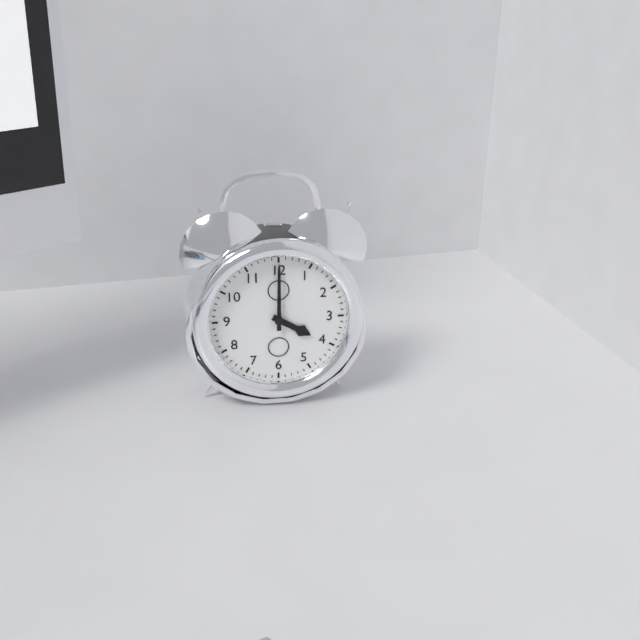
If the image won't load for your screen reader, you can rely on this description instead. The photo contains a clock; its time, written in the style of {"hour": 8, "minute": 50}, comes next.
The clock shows {"hour": 4, "minute": 0}
